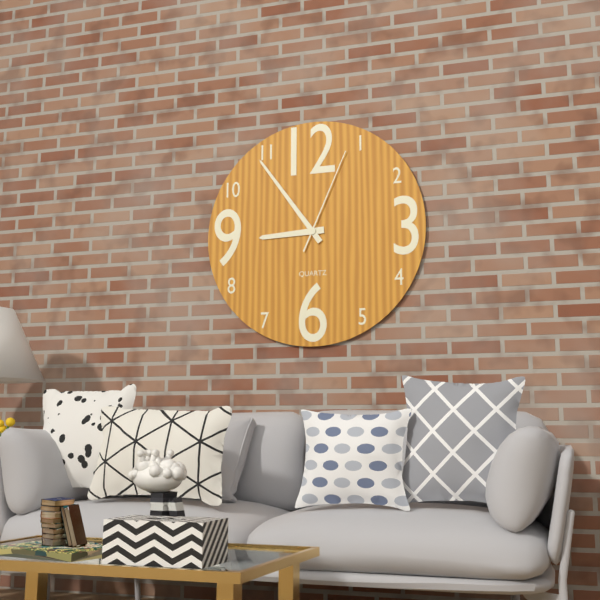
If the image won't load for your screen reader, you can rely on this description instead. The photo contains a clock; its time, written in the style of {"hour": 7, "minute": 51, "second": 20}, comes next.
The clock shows {"hour": 8, "minute": 54, "second": 4}
